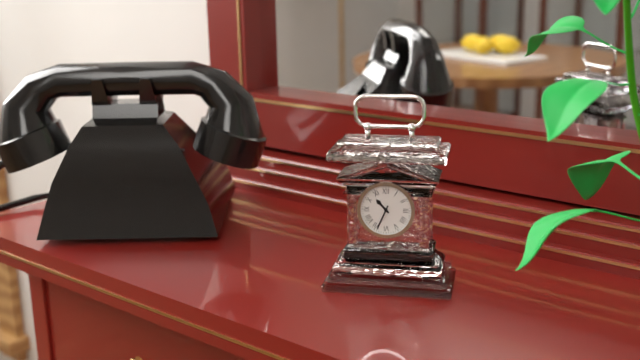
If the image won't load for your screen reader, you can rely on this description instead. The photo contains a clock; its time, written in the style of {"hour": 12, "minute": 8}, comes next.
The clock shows {"hour": 10, "minute": 34}
